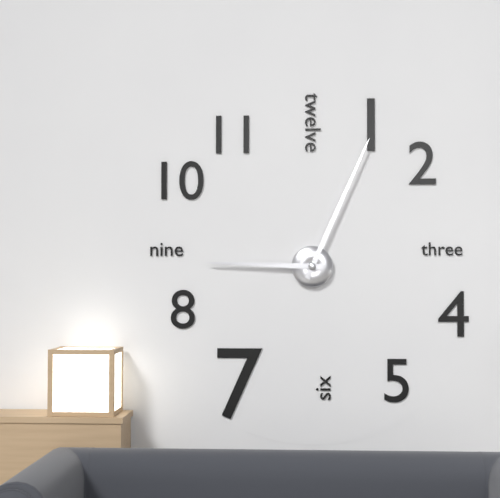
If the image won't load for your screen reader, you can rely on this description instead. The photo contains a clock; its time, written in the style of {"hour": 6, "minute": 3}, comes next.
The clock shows {"hour": 9, "minute": 4}
